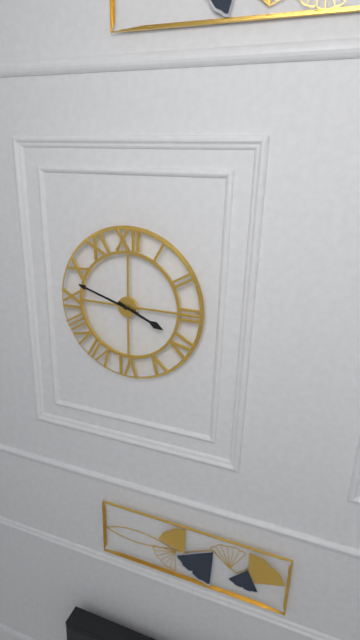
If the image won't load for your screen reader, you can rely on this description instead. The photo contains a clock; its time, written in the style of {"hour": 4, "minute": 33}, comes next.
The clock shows {"hour": 3, "minute": 48}
